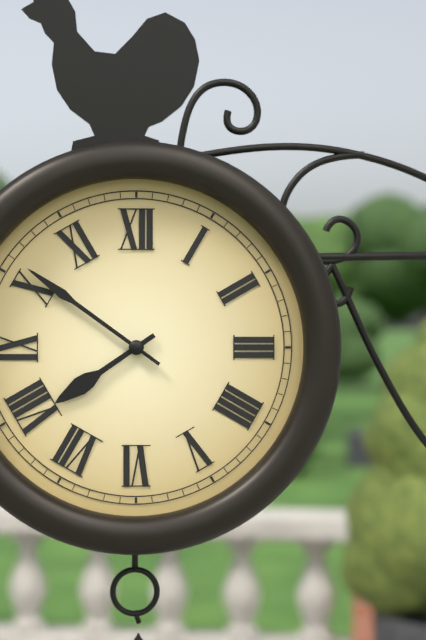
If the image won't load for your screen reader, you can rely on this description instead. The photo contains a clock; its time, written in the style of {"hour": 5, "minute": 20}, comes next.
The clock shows {"hour": 7, "minute": 51}
